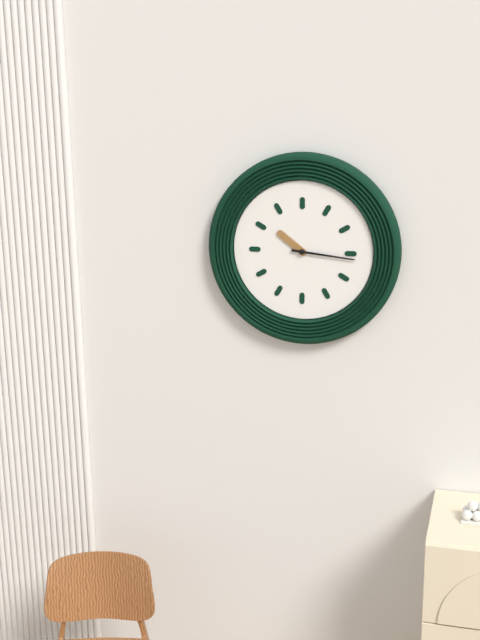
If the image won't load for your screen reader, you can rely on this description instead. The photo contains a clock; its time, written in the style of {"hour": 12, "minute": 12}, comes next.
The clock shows {"hour": 10, "minute": 16}
